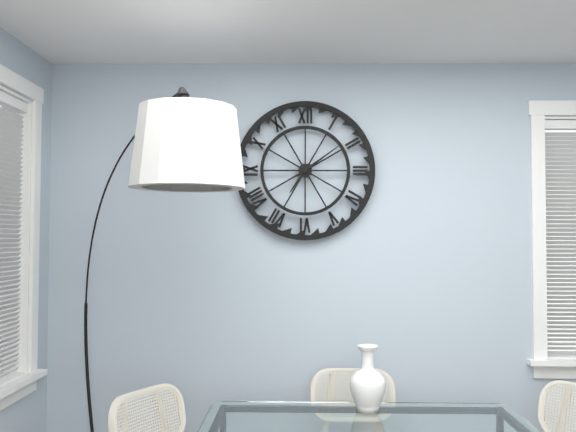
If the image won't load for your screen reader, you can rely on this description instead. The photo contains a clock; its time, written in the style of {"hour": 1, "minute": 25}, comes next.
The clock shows {"hour": 7, "minute": 9}
